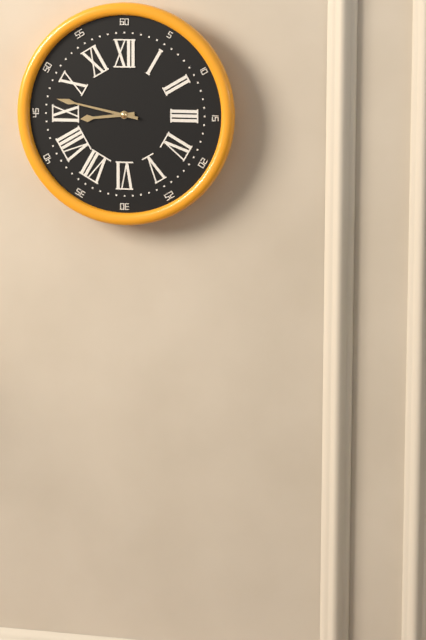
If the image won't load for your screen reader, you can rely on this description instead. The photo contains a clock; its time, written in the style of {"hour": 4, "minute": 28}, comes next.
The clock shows {"hour": 8, "minute": 47}
